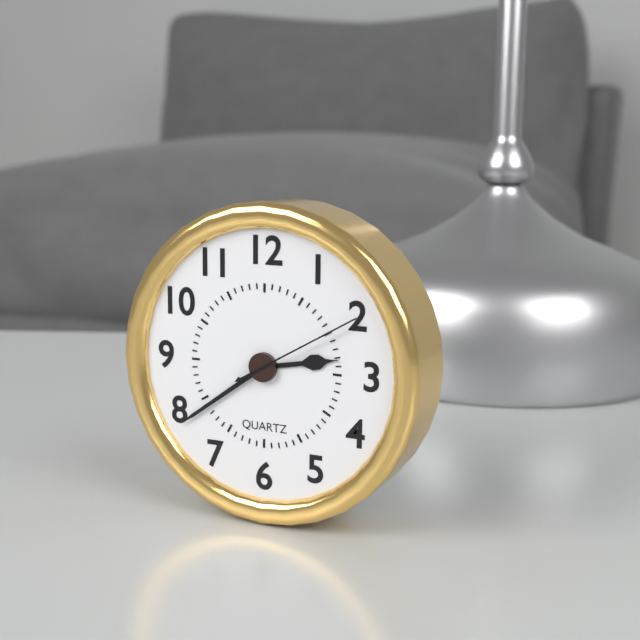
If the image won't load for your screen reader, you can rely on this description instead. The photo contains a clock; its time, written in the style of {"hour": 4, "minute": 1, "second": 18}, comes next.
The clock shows {"hour": 2, "minute": 39, "second": 10}
